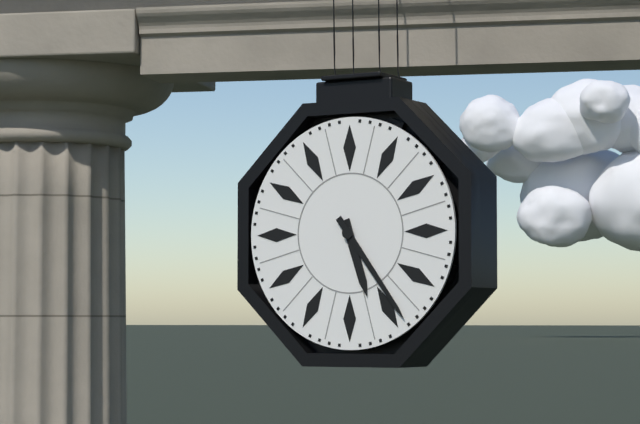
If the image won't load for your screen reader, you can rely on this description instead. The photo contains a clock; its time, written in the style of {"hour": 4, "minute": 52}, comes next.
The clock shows {"hour": 5, "minute": 24}
